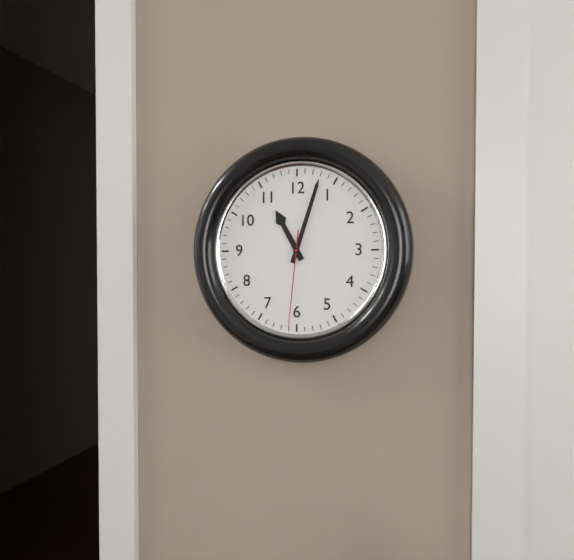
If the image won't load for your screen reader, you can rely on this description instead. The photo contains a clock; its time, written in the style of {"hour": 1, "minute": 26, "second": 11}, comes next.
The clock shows {"hour": 11, "minute": 3, "second": 31}
